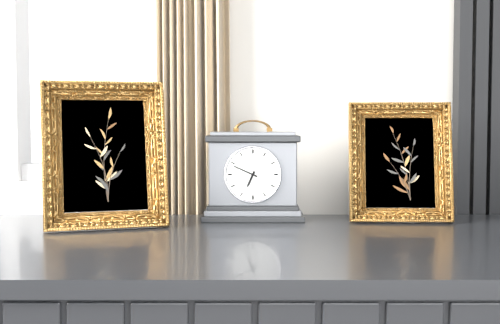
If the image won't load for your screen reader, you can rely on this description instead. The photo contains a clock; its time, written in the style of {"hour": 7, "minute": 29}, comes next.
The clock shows {"hour": 6, "minute": 49}
